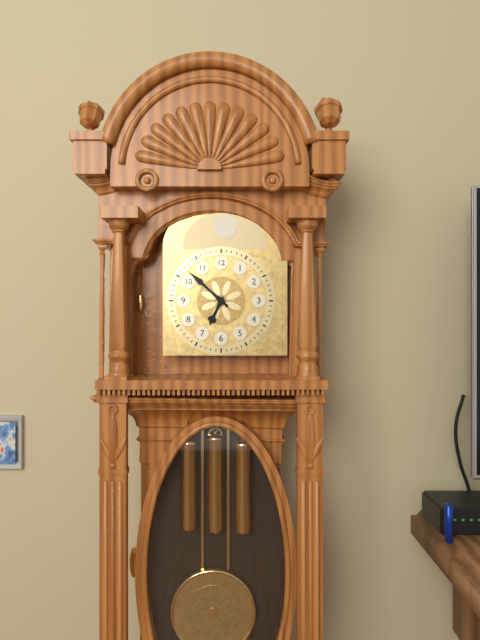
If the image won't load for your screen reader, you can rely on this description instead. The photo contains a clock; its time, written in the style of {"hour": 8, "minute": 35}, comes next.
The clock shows {"hour": 6, "minute": 52}
